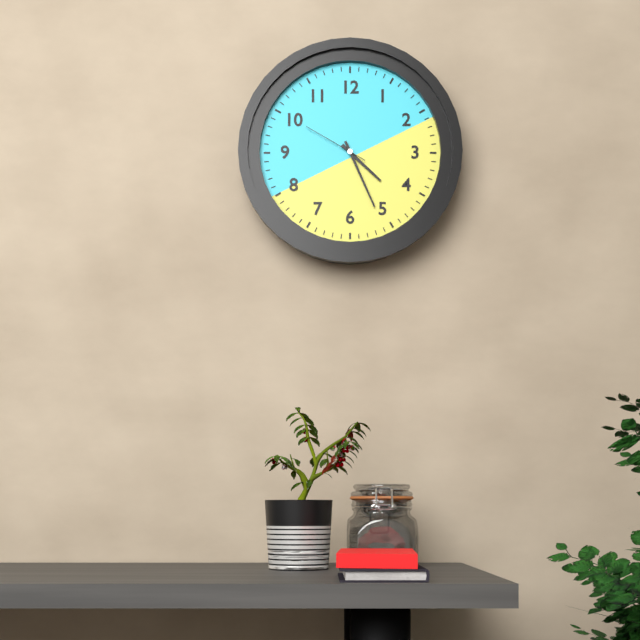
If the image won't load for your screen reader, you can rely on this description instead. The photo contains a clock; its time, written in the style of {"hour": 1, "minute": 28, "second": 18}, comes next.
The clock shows {"hour": 4, "minute": 26, "second": 50}
